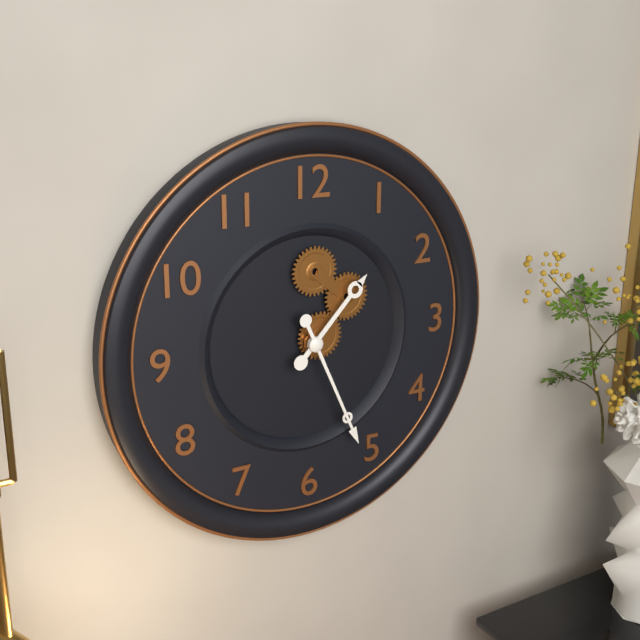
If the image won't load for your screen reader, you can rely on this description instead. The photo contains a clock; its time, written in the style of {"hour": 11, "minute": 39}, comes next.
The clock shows {"hour": 1, "minute": 26}
